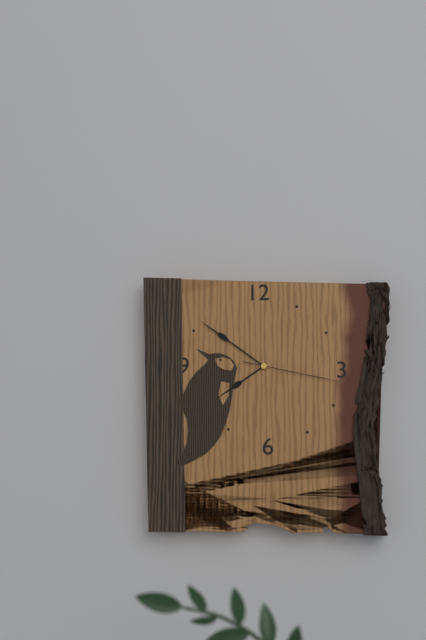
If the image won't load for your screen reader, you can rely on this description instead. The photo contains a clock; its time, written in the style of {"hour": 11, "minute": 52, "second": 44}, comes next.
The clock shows {"hour": 7, "minute": 51, "second": 17}
